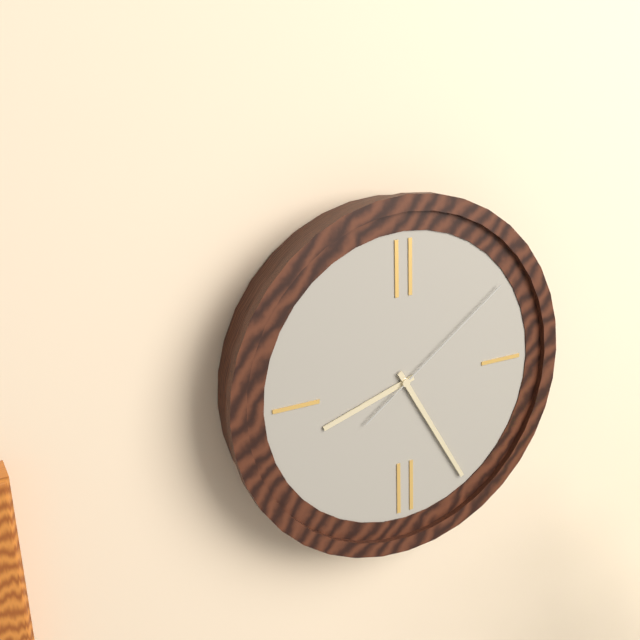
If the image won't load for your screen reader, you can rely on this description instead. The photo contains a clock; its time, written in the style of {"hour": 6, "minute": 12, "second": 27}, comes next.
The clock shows {"hour": 8, "minute": 25, "second": 9}
